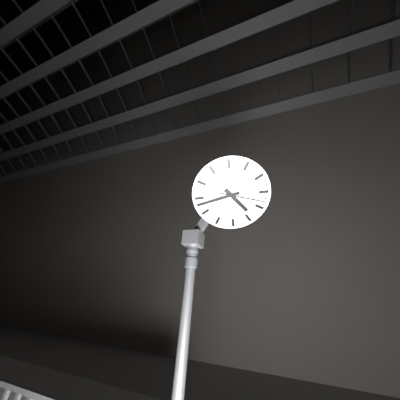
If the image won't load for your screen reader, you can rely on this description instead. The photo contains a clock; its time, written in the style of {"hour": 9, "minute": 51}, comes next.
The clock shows {"hour": 4, "minute": 43}
